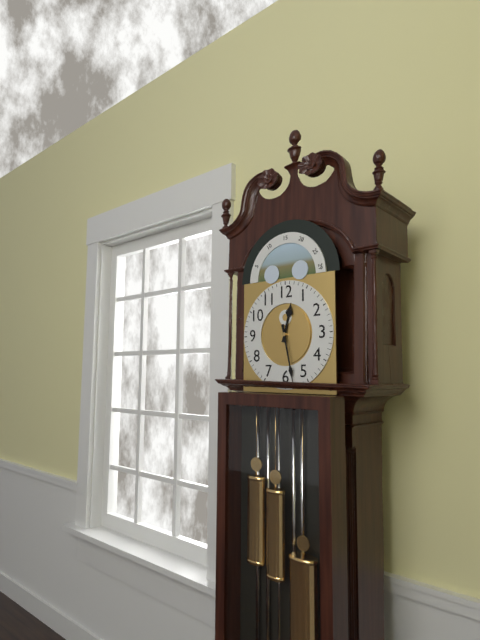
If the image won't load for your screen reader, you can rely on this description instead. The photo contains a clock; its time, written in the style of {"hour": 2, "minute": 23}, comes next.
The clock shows {"hour": 12, "minute": 28}
